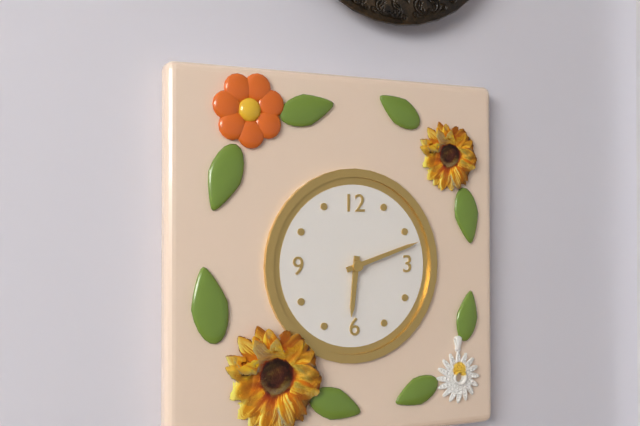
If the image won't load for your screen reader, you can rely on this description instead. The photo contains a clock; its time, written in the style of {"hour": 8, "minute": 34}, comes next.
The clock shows {"hour": 6, "minute": 12}
